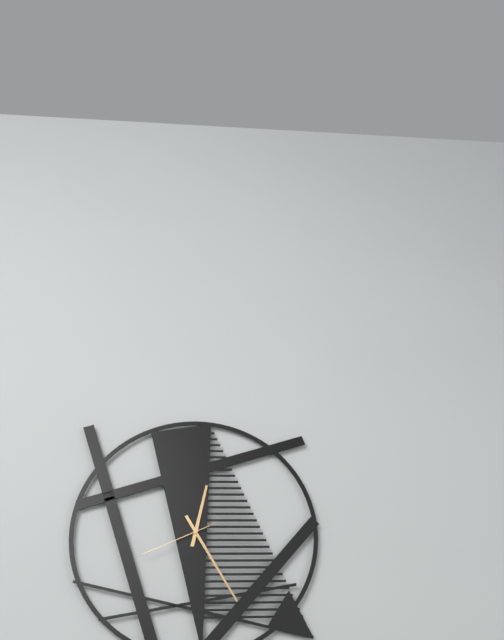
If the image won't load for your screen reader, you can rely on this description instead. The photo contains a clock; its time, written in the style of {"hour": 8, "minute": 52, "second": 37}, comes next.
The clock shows {"hour": 12, "minute": 25, "second": 41}
